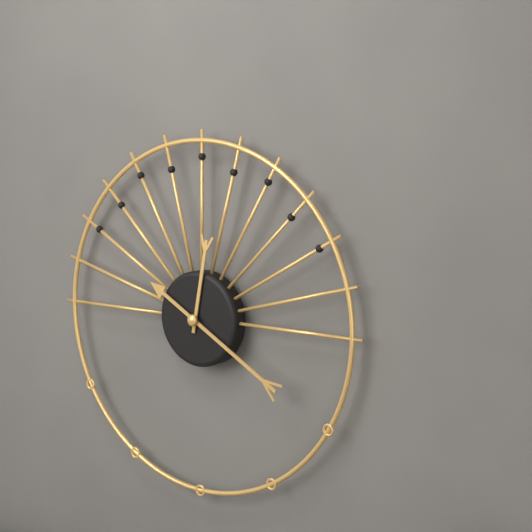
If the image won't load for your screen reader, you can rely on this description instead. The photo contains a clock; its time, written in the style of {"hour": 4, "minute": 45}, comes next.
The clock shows {"hour": 12, "minute": 20}
